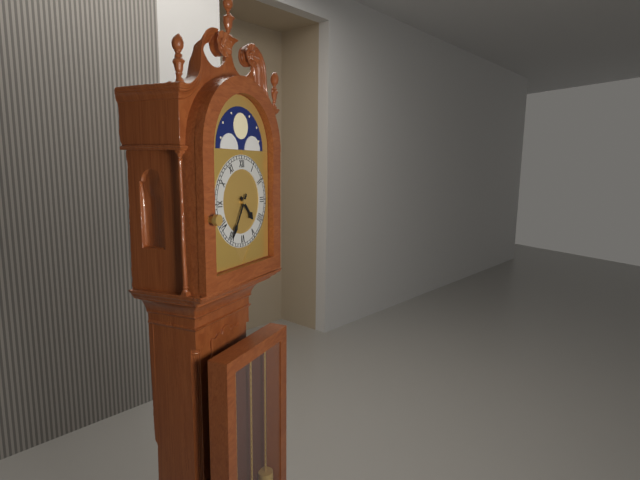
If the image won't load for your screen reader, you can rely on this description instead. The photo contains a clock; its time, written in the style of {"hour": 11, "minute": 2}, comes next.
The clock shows {"hour": 4, "minute": 35}
